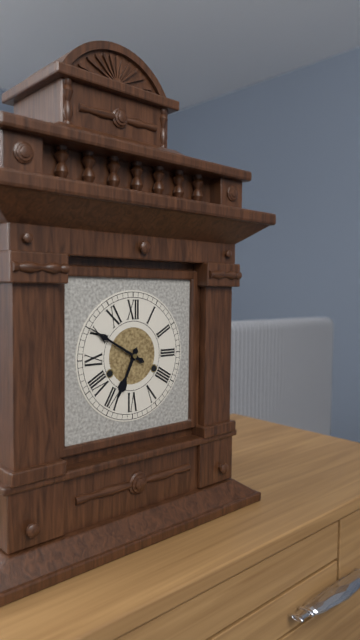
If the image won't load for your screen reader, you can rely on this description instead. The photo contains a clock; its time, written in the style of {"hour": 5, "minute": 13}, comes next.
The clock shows {"hour": 6, "minute": 50}
